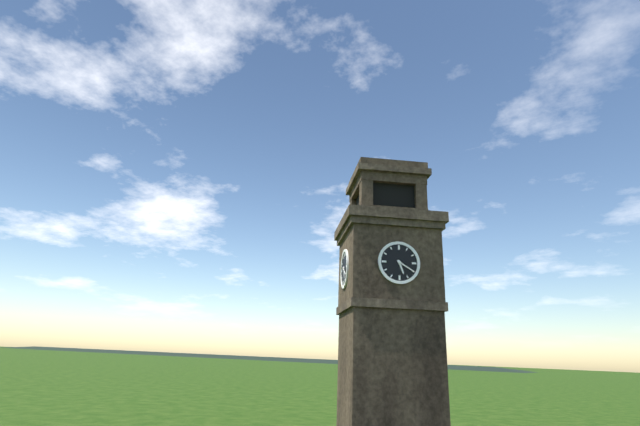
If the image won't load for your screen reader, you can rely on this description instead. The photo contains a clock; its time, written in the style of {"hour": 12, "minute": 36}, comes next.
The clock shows {"hour": 5, "minute": 20}
